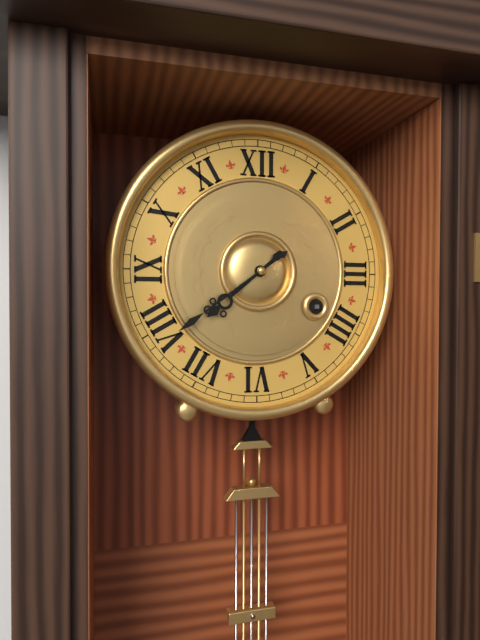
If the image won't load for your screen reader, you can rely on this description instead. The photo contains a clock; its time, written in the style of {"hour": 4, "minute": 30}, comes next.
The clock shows {"hour": 7, "minute": 39}
